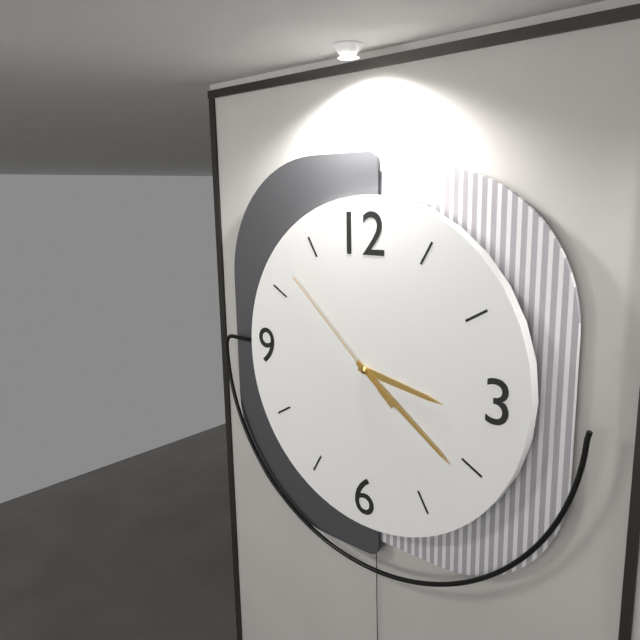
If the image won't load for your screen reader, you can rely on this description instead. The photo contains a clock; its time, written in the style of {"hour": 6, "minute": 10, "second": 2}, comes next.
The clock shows {"hour": 3, "minute": 21, "second": 52}
